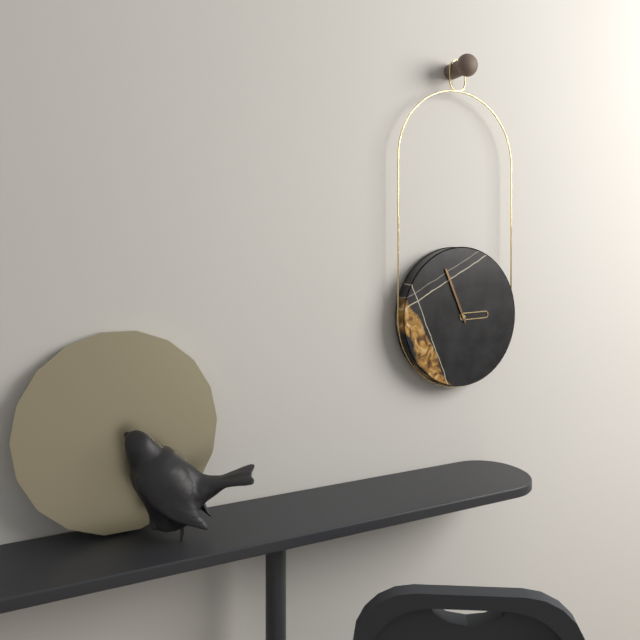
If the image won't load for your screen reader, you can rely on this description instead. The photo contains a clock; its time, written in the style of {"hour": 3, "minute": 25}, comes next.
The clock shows {"hour": 2, "minute": 56}
